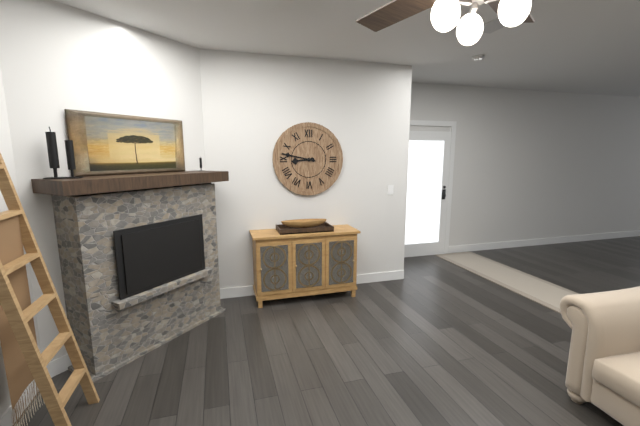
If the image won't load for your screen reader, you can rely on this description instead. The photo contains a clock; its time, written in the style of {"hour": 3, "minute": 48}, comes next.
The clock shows {"hour": 8, "minute": 47}
